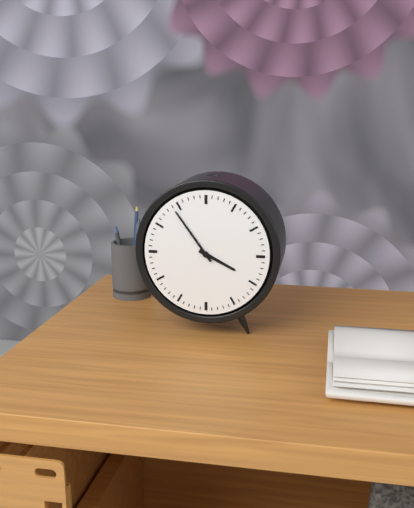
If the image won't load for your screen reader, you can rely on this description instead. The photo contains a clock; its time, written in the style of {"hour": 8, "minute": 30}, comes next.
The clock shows {"hour": 3, "minute": 54}
